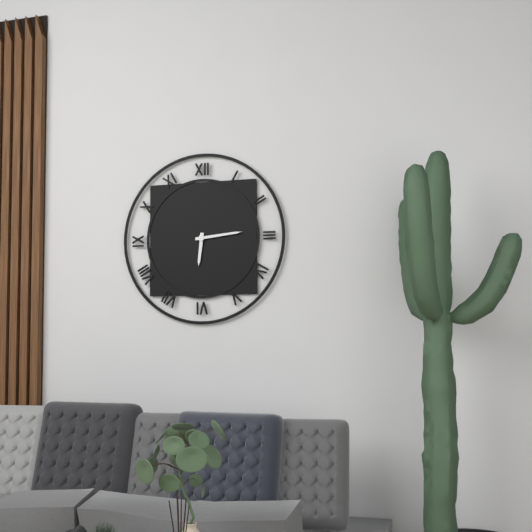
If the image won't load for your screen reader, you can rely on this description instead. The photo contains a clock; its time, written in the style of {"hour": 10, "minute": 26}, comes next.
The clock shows {"hour": 6, "minute": 14}
